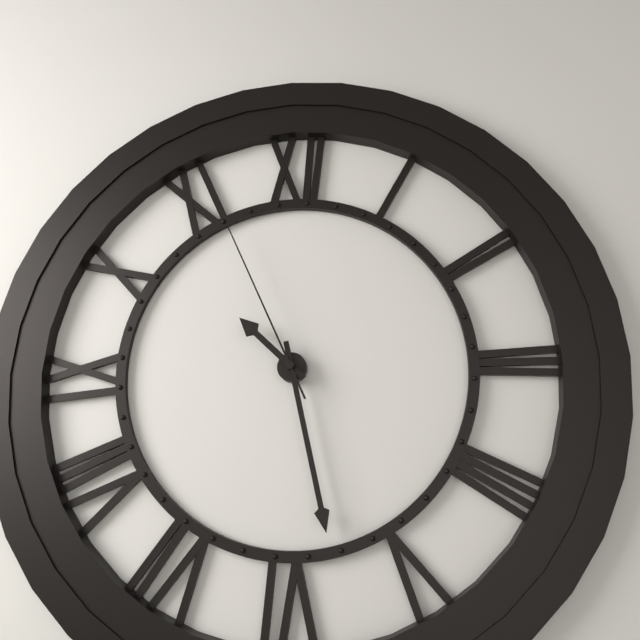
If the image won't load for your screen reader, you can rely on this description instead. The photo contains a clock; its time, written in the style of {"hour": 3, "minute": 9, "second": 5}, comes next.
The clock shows {"hour": 10, "minute": 28, "second": 56}
